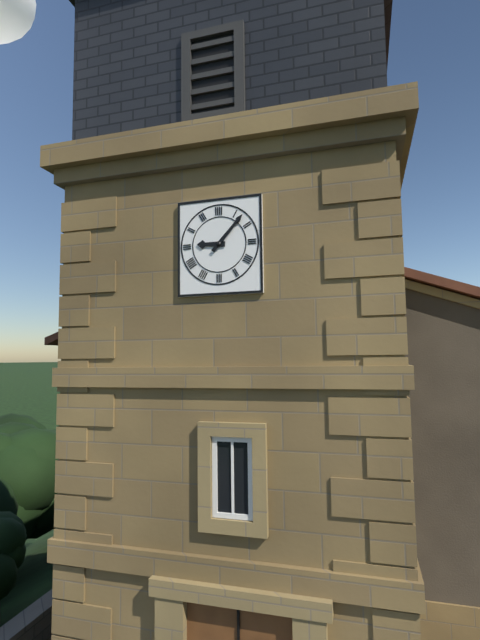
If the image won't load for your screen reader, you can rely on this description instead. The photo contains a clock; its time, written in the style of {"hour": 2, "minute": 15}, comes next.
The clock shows {"hour": 9, "minute": 7}
